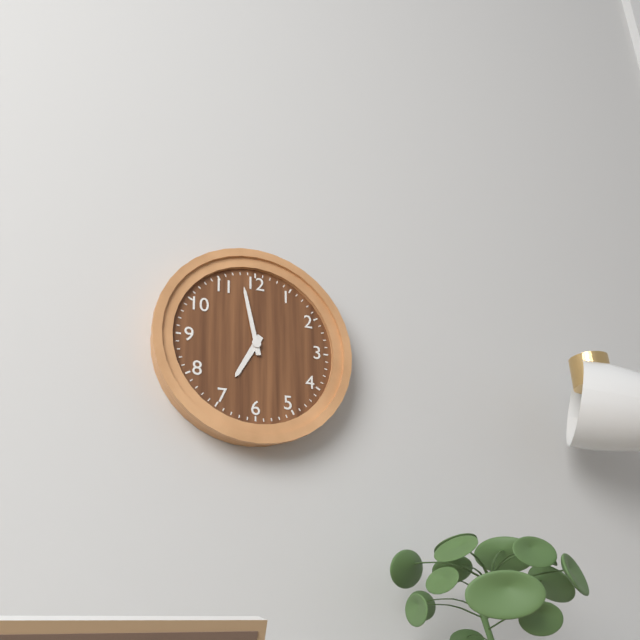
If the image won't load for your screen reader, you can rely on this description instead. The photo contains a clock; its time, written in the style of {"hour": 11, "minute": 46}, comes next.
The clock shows {"hour": 6, "minute": 58}
